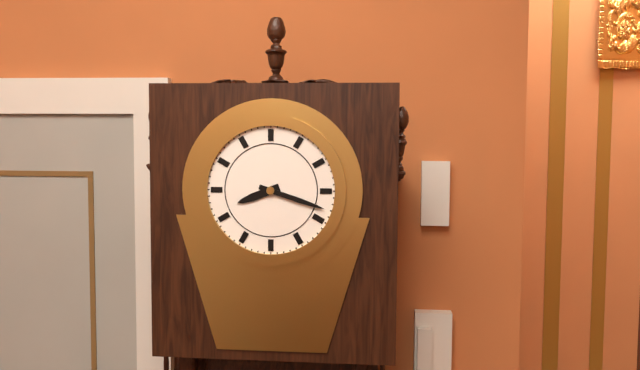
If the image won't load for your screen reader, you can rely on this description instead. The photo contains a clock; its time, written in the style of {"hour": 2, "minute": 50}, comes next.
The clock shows {"hour": 8, "minute": 18}
